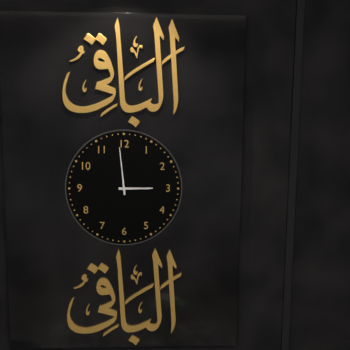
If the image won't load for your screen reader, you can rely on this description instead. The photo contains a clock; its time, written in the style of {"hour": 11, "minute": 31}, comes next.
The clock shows {"hour": 2, "minute": 59}
